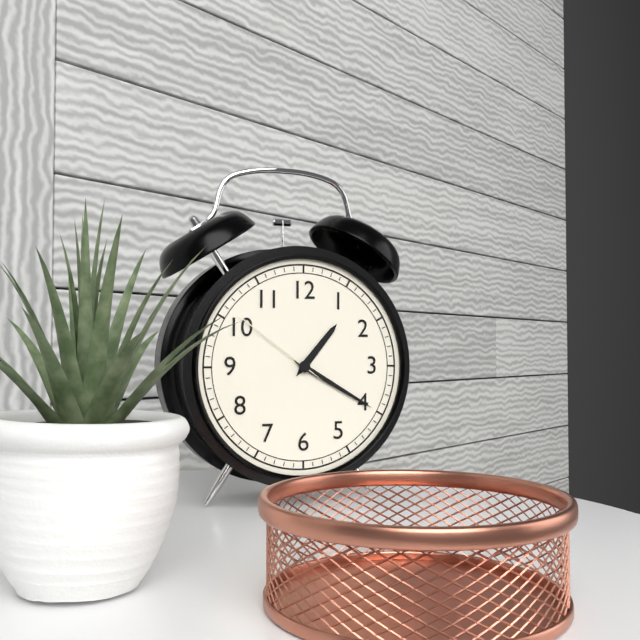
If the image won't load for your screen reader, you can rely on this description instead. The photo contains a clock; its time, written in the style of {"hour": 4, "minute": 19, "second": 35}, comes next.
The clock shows {"hour": 1, "minute": 20, "second": 51}
